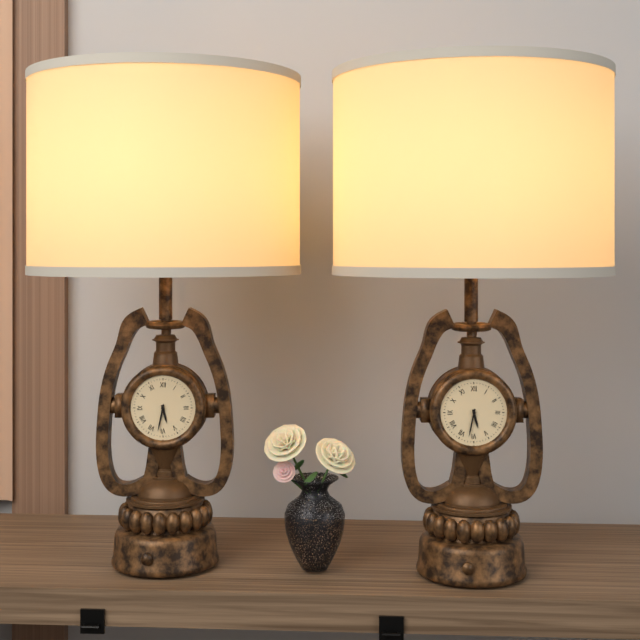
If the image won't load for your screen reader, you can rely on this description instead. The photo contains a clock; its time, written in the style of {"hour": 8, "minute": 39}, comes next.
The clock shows {"hour": 5, "minute": 32}
